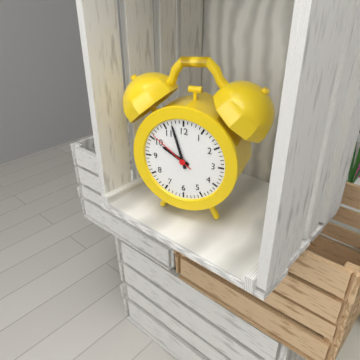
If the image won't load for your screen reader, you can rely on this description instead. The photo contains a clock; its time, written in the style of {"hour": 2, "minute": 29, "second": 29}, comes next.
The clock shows {"hour": 9, "minute": 57, "second": 51}
